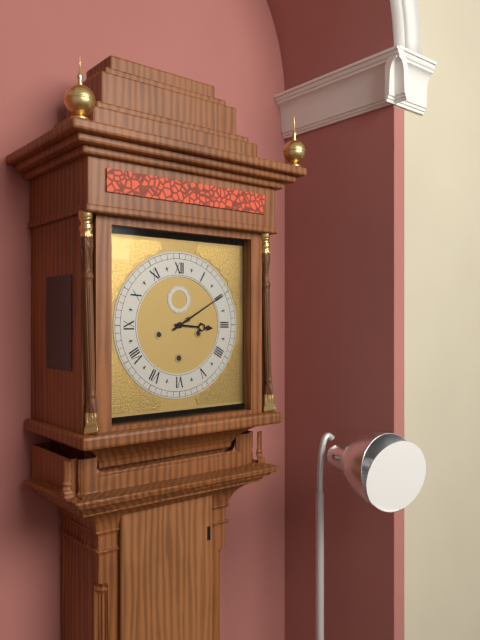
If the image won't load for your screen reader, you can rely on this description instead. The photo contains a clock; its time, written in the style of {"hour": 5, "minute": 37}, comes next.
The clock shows {"hour": 3, "minute": 10}
